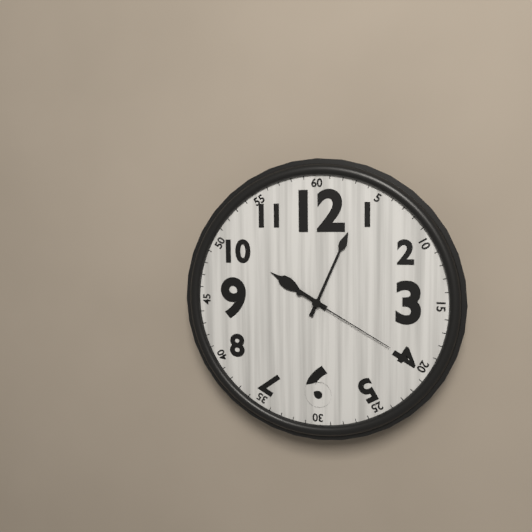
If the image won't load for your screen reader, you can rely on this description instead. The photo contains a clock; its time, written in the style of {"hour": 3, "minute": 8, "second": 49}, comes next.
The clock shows {"hour": 10, "minute": 4, "second": 20}
